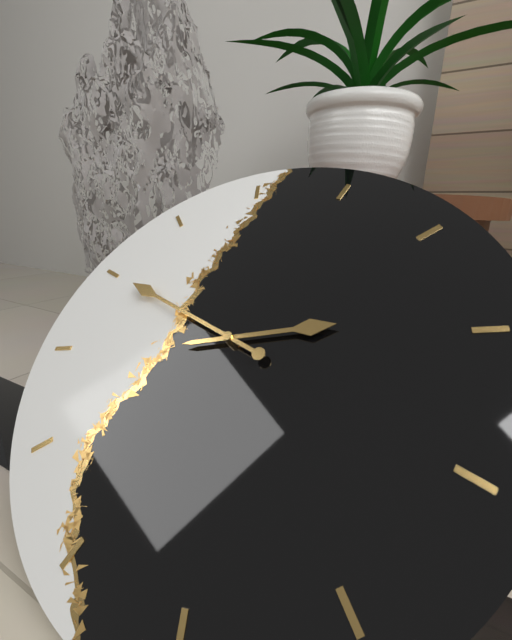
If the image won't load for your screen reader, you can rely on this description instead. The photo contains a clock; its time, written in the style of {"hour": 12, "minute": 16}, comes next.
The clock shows {"hour": 2, "minute": 50}
